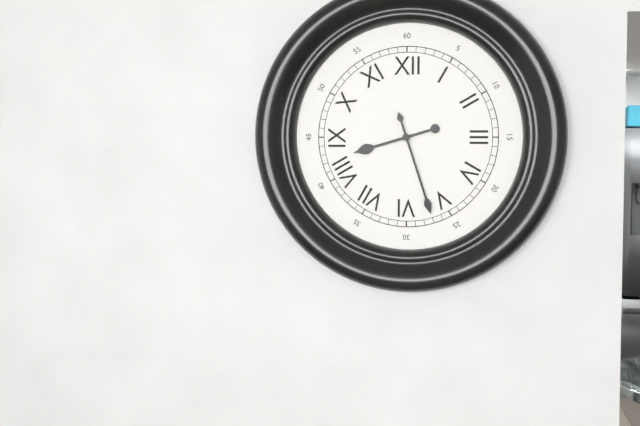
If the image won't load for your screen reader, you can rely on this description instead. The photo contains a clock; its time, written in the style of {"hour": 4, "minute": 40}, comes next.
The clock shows {"hour": 8, "minute": 27}
